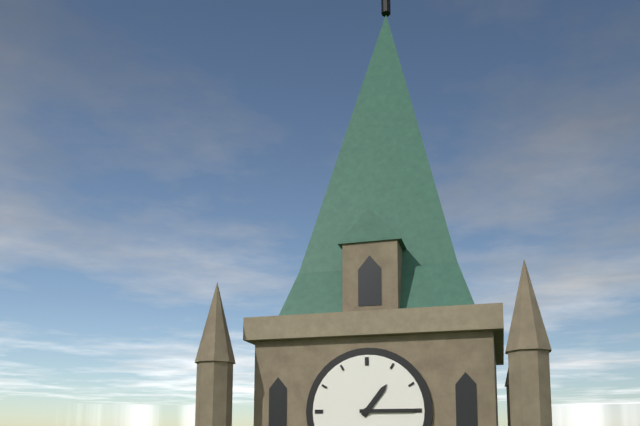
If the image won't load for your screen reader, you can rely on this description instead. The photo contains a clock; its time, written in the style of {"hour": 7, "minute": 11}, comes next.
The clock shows {"hour": 1, "minute": 15}
